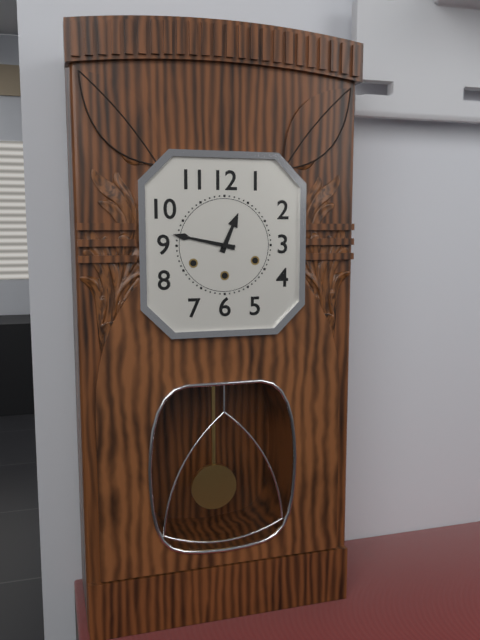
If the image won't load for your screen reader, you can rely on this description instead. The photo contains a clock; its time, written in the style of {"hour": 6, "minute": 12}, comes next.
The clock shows {"hour": 12, "minute": 47}
